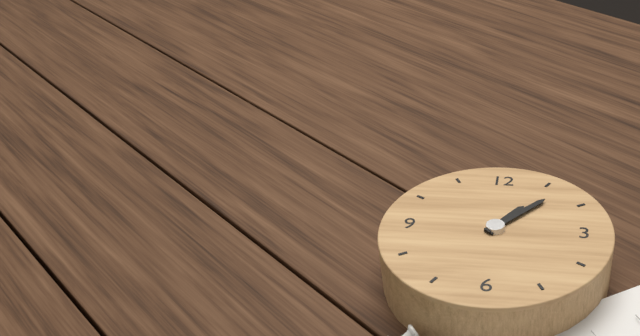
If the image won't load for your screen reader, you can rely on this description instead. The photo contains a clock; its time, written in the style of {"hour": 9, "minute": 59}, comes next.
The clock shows {"hour": 1, "minute": 7}
